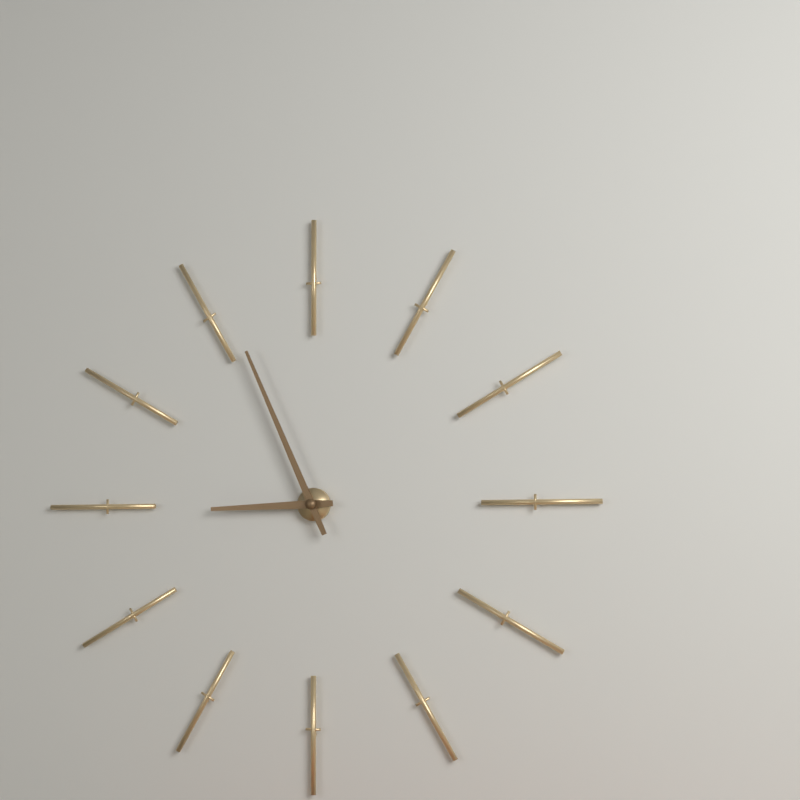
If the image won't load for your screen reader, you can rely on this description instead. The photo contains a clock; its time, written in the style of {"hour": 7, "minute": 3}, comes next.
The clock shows {"hour": 8, "minute": 56}
